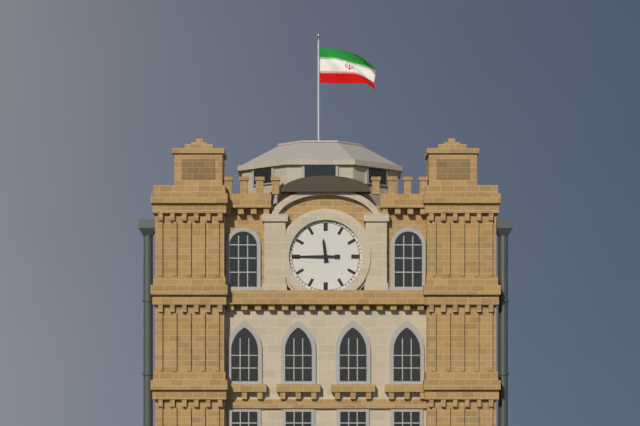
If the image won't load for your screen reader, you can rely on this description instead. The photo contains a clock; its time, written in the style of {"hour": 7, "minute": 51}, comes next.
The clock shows {"hour": 11, "minute": 45}
